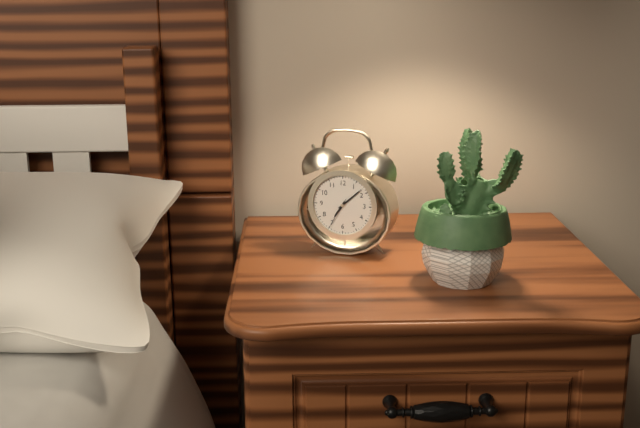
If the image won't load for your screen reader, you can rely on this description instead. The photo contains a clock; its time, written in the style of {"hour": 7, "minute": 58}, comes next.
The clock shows {"hour": 7, "minute": 8}
